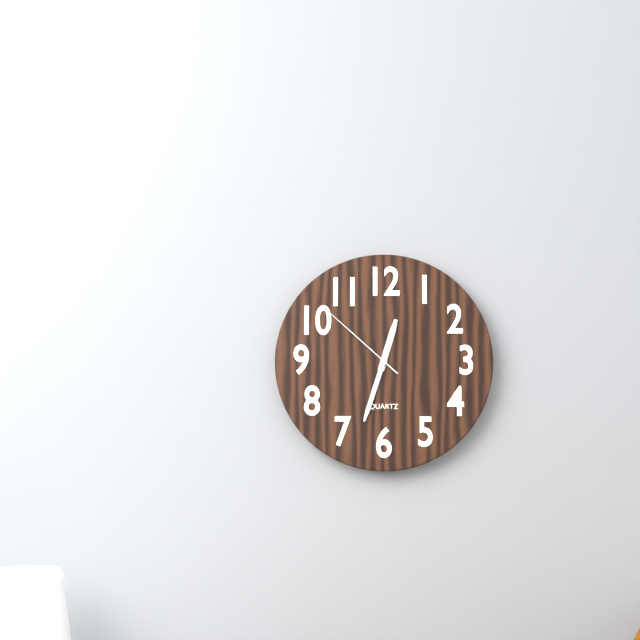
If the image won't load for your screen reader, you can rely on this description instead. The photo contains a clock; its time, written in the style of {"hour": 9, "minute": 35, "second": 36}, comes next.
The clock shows {"hour": 12, "minute": 33, "second": 52}
